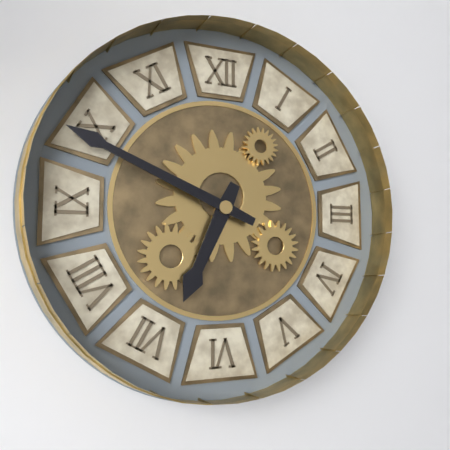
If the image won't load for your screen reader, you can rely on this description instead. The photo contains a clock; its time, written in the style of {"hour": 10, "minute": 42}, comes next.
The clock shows {"hour": 6, "minute": 49}
